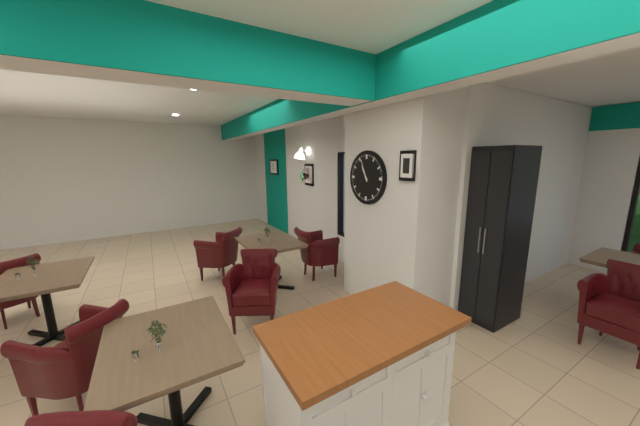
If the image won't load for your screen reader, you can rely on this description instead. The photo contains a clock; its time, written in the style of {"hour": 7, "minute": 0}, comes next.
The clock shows {"hour": 10, "minute": 56}
